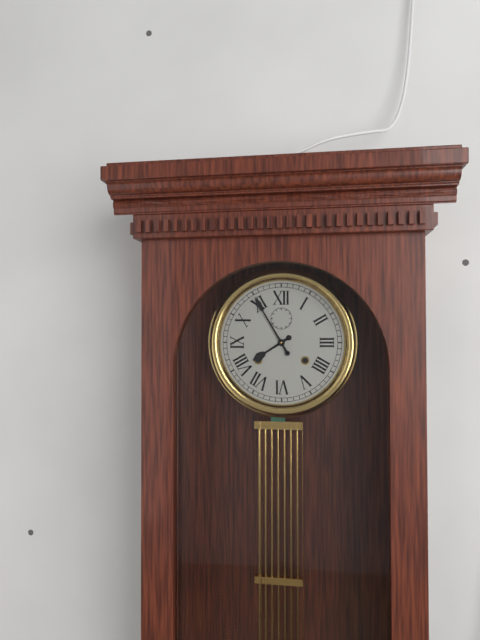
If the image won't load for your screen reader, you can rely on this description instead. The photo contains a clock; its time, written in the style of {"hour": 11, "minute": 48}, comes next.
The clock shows {"hour": 7, "minute": 55}
